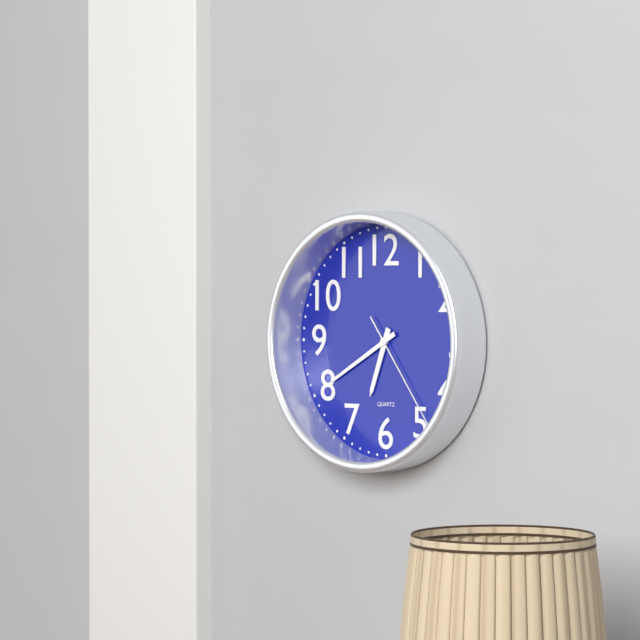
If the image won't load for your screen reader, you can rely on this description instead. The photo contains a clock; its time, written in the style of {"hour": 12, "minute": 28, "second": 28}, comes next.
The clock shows {"hour": 6, "minute": 40, "second": 24}
